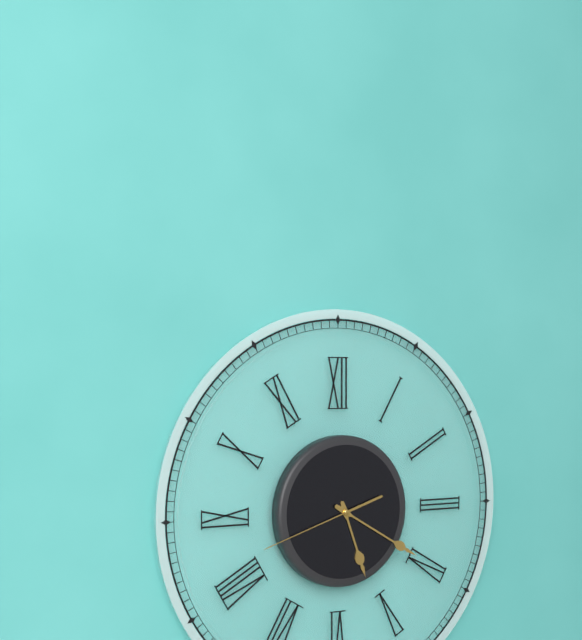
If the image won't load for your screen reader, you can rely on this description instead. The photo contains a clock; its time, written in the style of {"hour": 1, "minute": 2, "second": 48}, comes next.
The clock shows {"hour": 5, "minute": 20, "second": 42}
